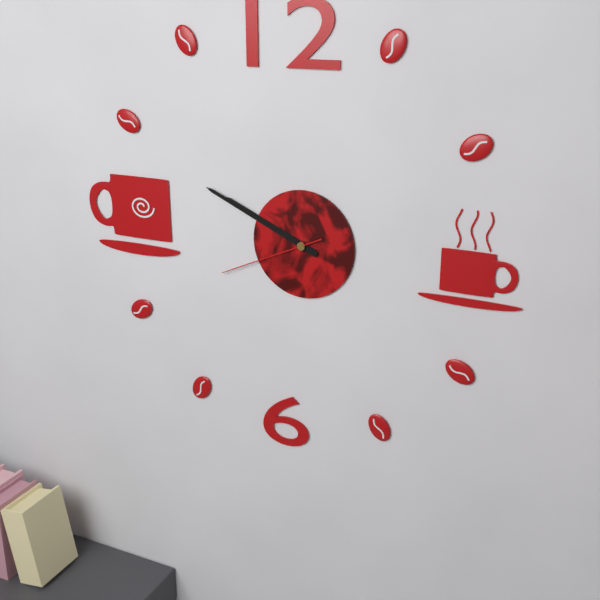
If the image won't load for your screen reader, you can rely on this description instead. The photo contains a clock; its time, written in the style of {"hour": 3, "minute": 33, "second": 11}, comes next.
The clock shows {"hour": 9, "minute": 49, "second": 41}
